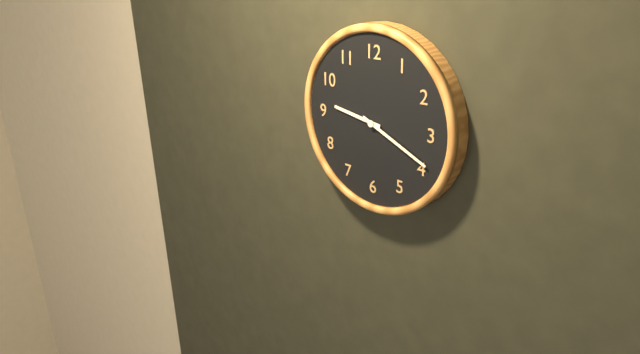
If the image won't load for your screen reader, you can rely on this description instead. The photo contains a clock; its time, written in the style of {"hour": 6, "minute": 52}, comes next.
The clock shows {"hour": 9, "minute": 19}
